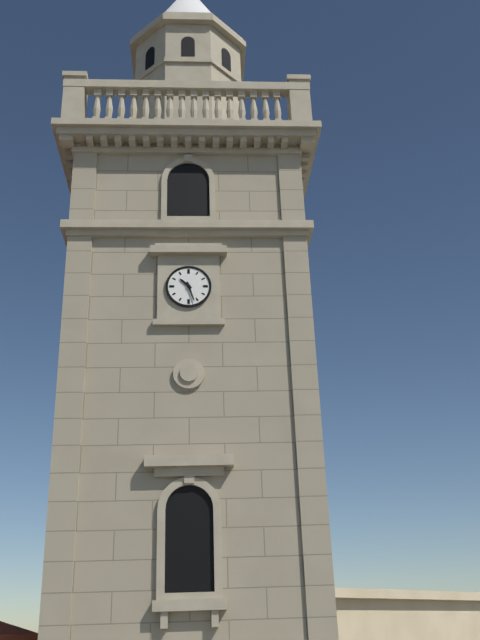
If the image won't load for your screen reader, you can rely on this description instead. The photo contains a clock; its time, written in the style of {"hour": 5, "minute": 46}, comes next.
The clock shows {"hour": 10, "minute": 27}
